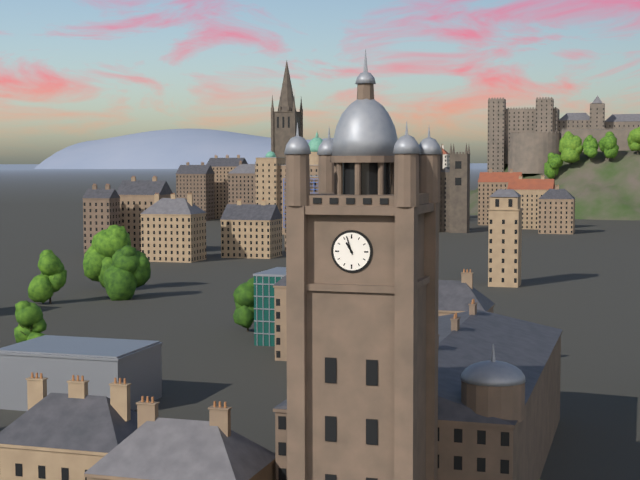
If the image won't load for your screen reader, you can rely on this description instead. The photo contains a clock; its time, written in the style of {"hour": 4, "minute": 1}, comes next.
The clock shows {"hour": 10, "minute": 57}
